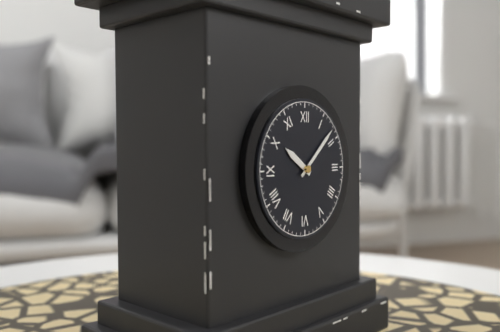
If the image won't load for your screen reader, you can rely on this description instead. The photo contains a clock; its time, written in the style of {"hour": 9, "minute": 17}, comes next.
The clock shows {"hour": 10, "minute": 8}
